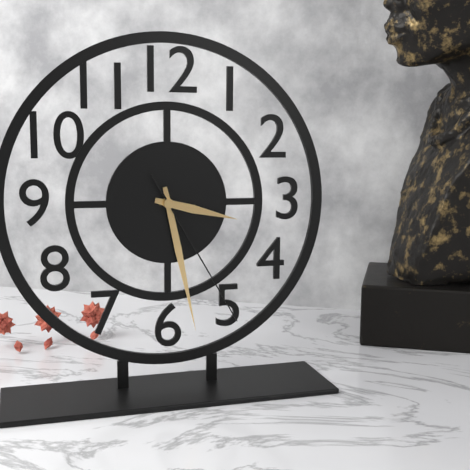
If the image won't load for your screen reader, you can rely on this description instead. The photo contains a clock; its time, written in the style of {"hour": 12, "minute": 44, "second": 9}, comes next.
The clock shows {"hour": 3, "minute": 28, "second": 25}
